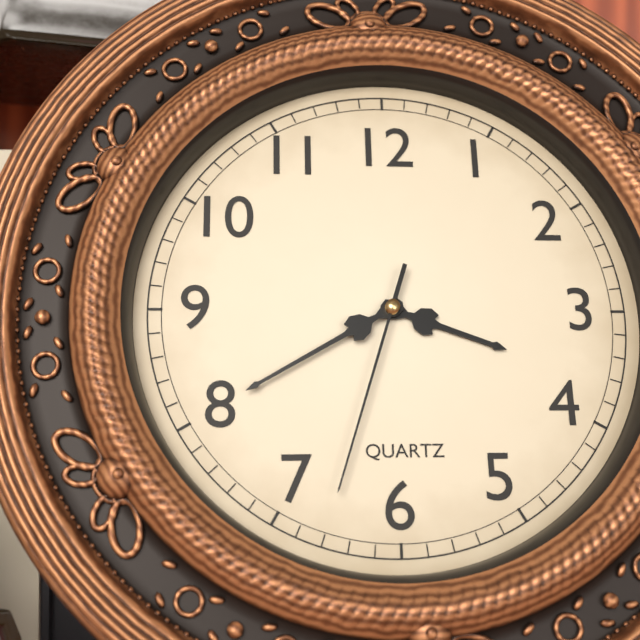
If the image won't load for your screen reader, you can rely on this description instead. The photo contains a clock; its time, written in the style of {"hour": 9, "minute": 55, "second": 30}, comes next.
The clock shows {"hour": 3, "minute": 40, "second": 33}
